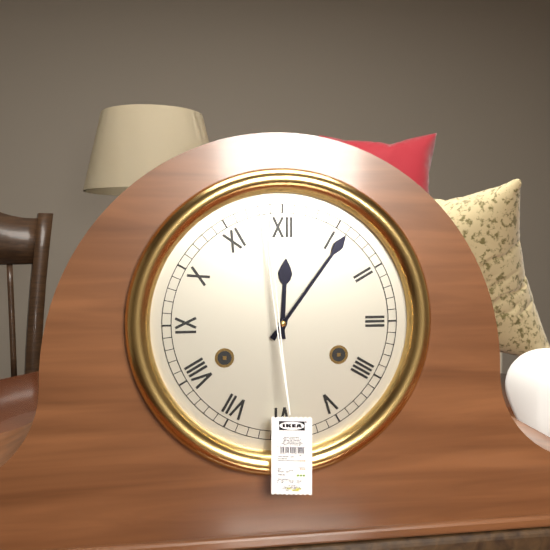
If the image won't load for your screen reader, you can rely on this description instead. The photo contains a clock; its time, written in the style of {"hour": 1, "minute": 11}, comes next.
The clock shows {"hour": 12, "minute": 6}
